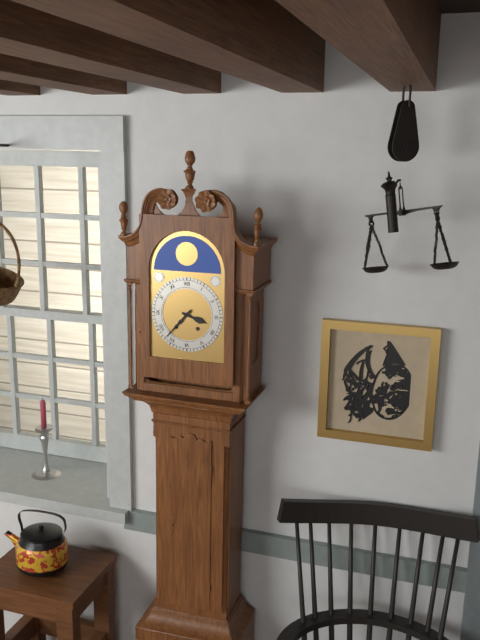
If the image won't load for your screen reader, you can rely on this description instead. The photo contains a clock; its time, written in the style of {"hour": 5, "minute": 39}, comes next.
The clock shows {"hour": 3, "minute": 37}
